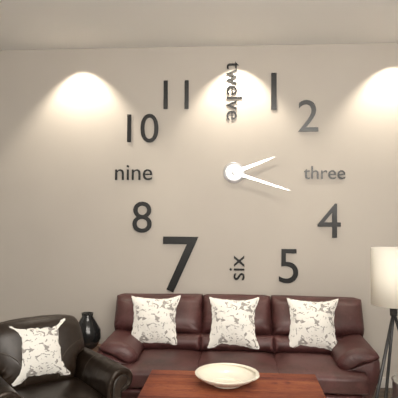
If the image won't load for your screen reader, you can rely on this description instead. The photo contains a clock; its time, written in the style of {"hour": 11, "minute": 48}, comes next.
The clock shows {"hour": 2, "minute": 18}
